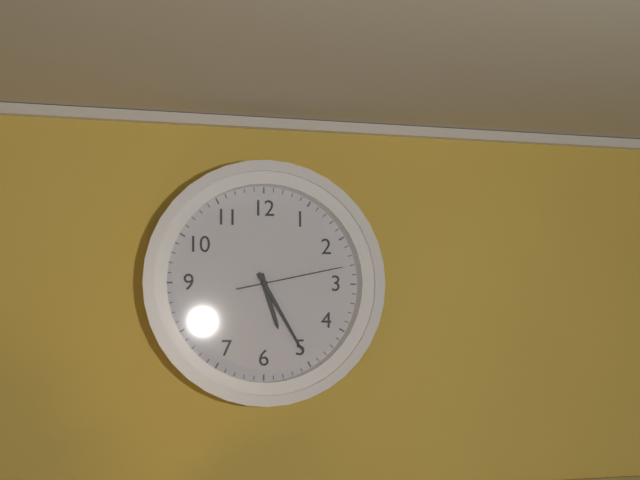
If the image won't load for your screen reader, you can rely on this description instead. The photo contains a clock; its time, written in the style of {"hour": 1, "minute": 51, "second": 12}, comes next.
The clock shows {"hour": 5, "minute": 25, "second": 13}
